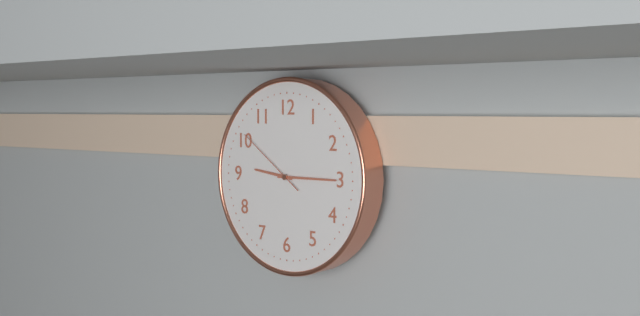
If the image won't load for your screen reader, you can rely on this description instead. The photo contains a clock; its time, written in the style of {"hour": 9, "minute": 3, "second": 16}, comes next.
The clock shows {"hour": 9, "minute": 15, "second": 51}
